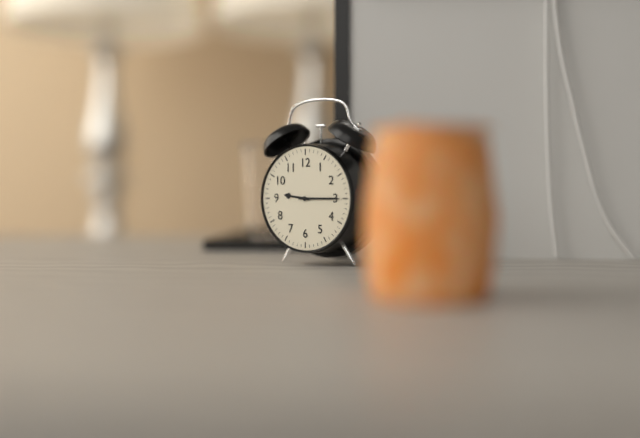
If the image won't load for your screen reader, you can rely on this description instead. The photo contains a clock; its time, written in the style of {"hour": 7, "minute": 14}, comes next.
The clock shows {"hour": 9, "minute": 15}
